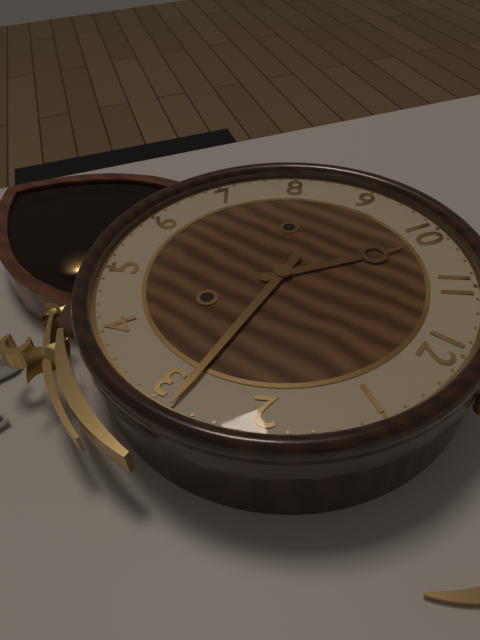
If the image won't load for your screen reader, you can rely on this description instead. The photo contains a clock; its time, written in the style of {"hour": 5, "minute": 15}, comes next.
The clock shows {"hour": 10, "minute": 14}
